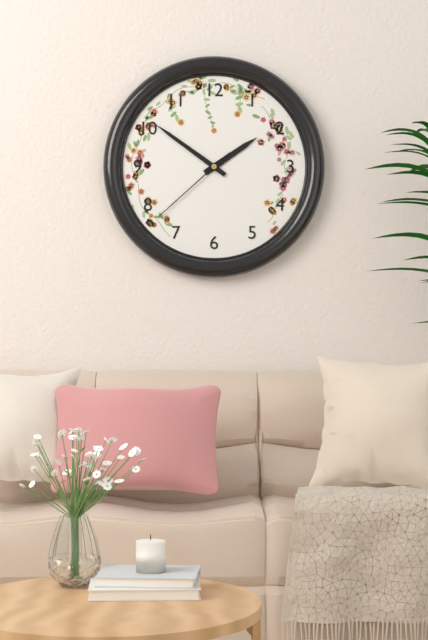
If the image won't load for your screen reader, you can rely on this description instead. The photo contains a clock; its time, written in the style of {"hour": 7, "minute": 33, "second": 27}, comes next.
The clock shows {"hour": 1, "minute": 51, "second": 38}
